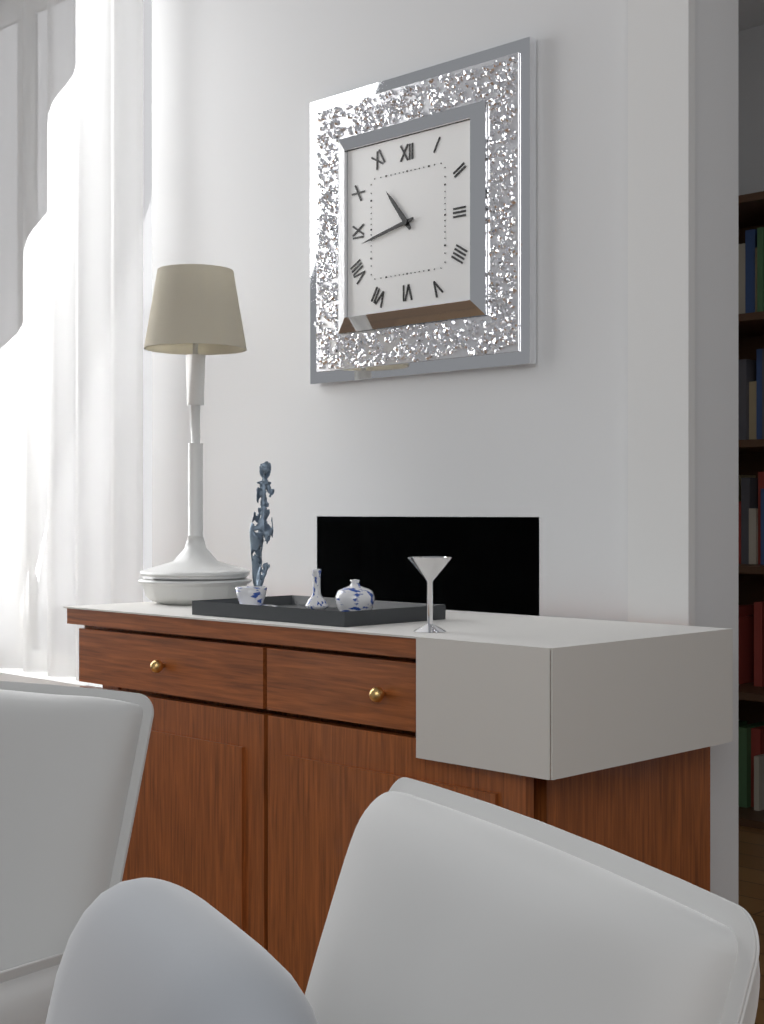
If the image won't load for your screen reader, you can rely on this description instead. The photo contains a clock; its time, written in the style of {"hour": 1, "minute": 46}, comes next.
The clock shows {"hour": 10, "minute": 43}
